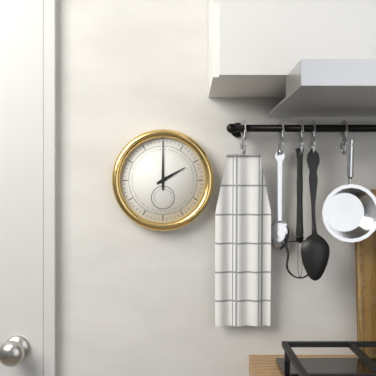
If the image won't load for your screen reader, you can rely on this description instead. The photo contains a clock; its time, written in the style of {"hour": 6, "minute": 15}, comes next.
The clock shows {"hour": 2, "minute": 0}
